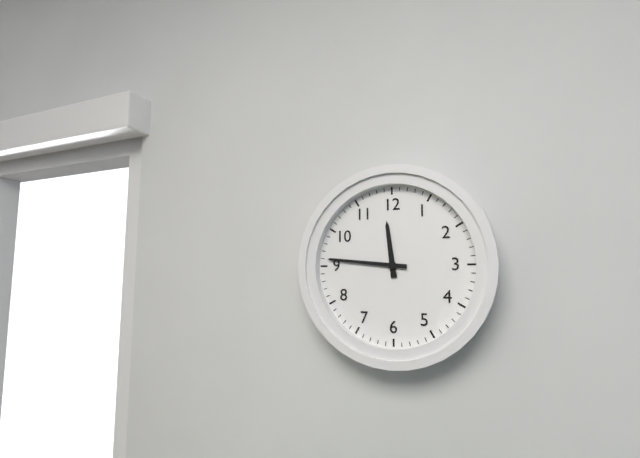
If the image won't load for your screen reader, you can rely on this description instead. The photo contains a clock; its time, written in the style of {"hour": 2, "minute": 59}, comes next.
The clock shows {"hour": 11, "minute": 46}
